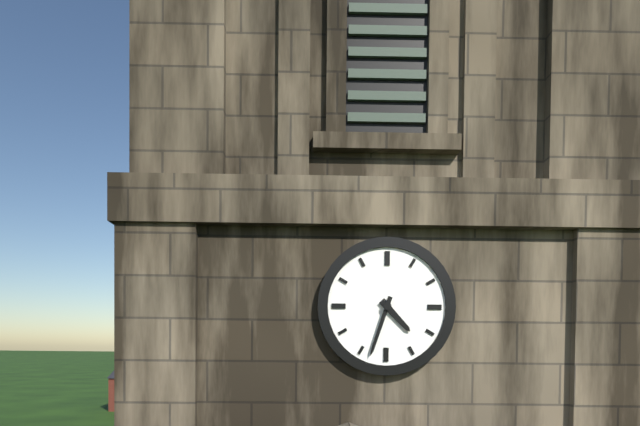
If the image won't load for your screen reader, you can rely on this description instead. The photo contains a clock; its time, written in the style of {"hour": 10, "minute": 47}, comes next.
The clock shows {"hour": 4, "minute": 33}
